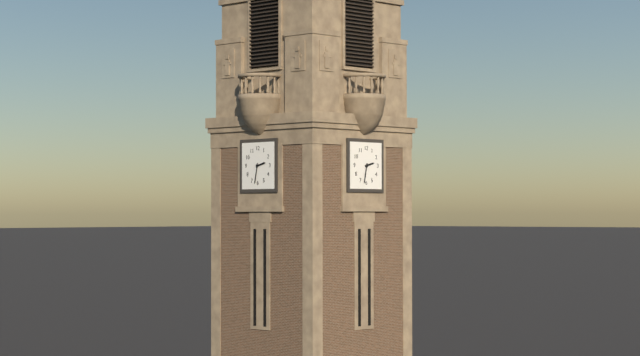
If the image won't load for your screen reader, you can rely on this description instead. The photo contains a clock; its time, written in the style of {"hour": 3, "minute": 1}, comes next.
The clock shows {"hour": 2, "minute": 32}
